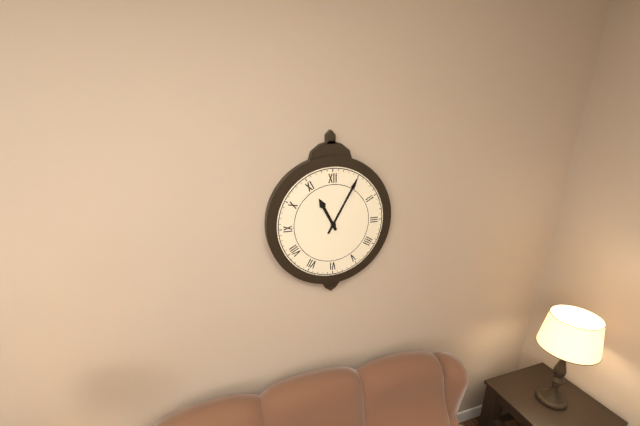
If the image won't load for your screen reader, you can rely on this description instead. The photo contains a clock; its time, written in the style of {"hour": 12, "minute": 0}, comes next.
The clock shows {"hour": 11, "minute": 5}
